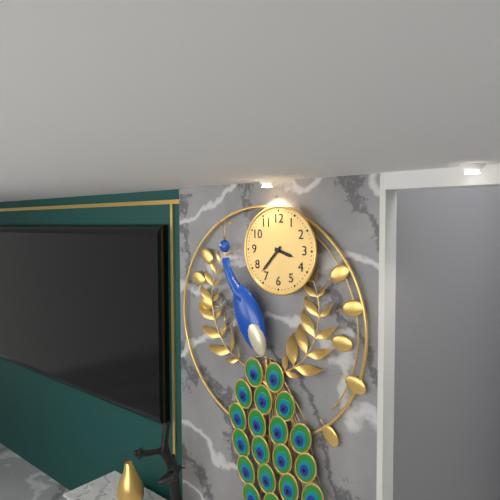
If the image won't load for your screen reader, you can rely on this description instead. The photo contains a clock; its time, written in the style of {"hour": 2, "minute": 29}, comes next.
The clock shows {"hour": 3, "minute": 37}
